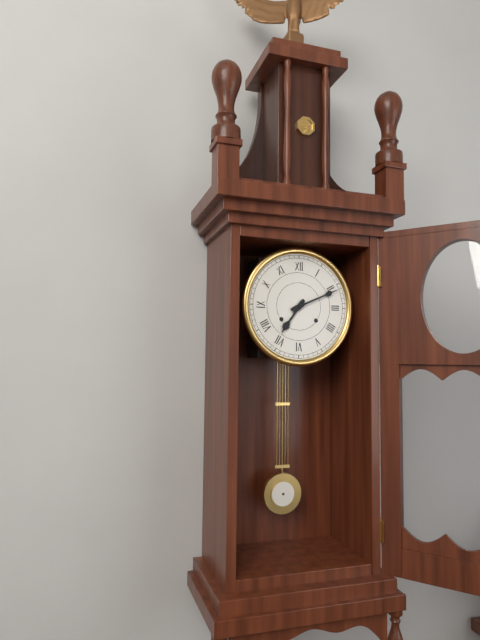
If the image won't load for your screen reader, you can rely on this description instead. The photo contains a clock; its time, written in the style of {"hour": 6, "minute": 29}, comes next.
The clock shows {"hour": 7, "minute": 11}
